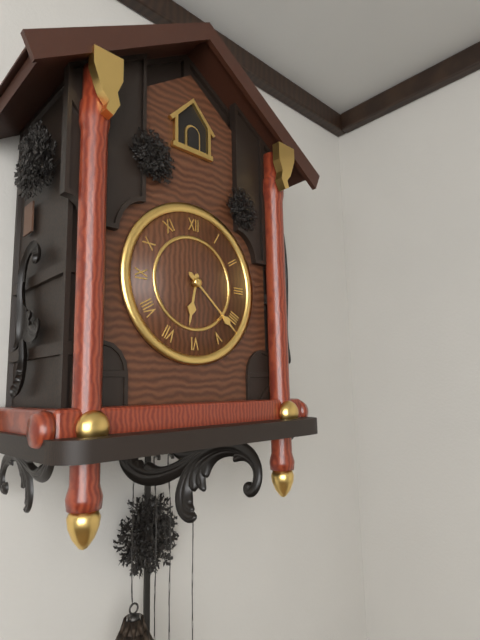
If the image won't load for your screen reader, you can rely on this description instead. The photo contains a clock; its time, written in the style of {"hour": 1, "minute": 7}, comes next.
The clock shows {"hour": 6, "minute": 22}
